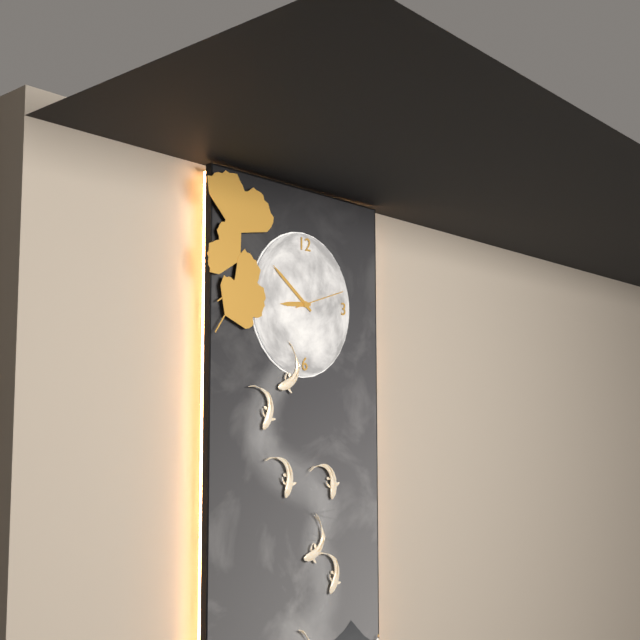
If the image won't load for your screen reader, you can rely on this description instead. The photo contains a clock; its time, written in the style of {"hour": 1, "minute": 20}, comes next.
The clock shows {"hour": 8, "minute": 51}
